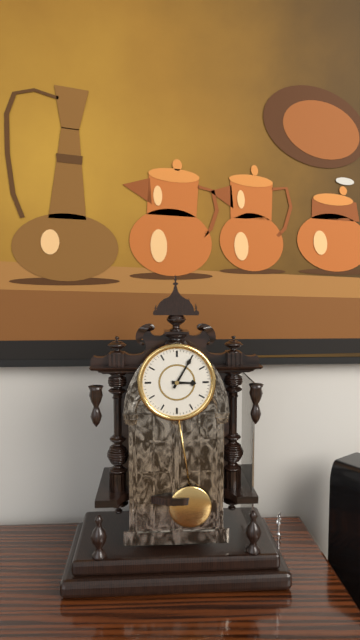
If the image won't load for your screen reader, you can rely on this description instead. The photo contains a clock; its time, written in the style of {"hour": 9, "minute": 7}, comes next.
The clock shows {"hour": 3, "minute": 5}
